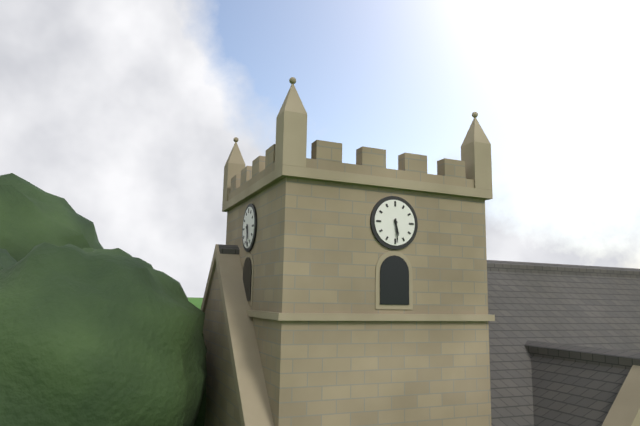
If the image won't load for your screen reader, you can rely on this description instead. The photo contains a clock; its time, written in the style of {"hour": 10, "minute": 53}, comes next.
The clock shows {"hour": 5, "minute": 29}
